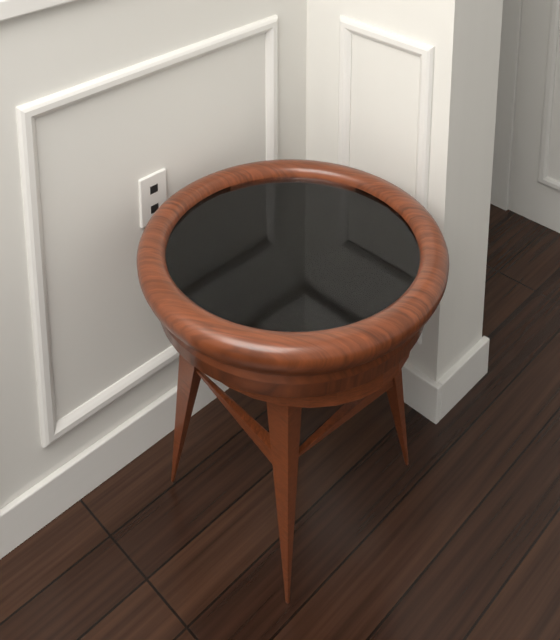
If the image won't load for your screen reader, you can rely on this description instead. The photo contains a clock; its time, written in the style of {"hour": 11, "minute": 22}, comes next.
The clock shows {"hour": 6, "minute": 34}
